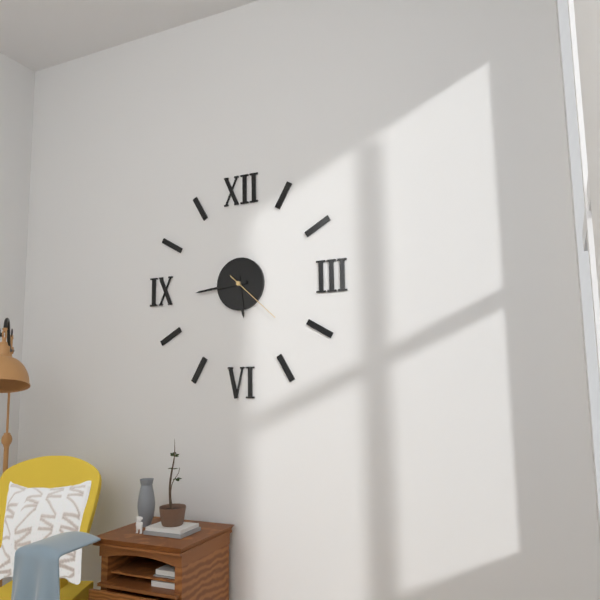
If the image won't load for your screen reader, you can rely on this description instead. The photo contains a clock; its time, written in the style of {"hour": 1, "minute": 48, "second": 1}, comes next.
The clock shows {"hour": 5, "minute": 44, "second": 22}
